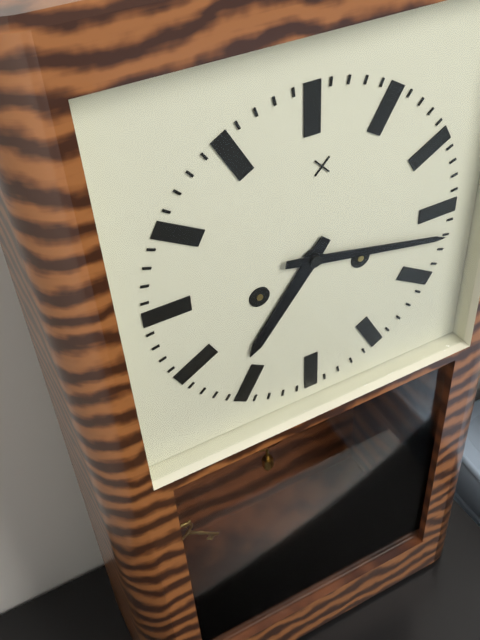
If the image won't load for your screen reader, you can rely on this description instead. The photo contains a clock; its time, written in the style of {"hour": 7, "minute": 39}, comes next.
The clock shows {"hour": 7, "minute": 17}
